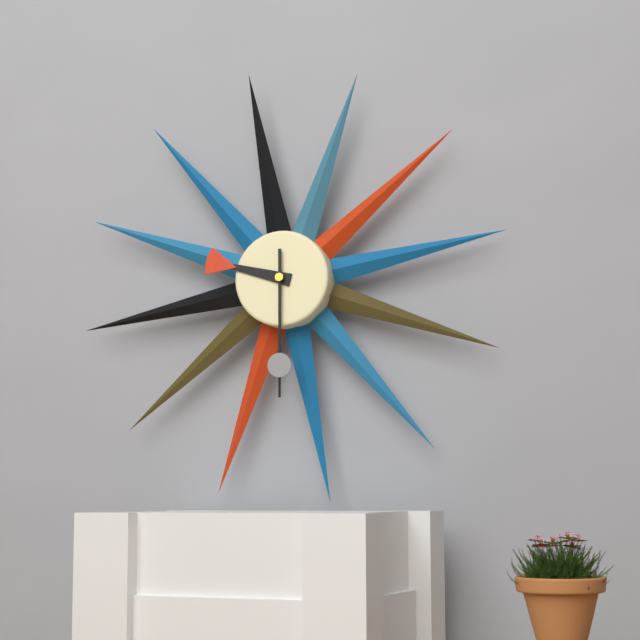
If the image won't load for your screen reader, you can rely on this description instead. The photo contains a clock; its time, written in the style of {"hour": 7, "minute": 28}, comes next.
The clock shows {"hour": 9, "minute": 30}
